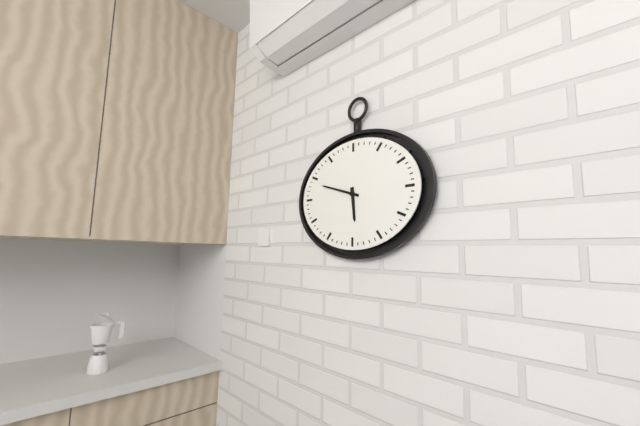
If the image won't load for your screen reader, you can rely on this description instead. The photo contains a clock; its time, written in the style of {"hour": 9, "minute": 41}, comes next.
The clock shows {"hour": 5, "minute": 48}
